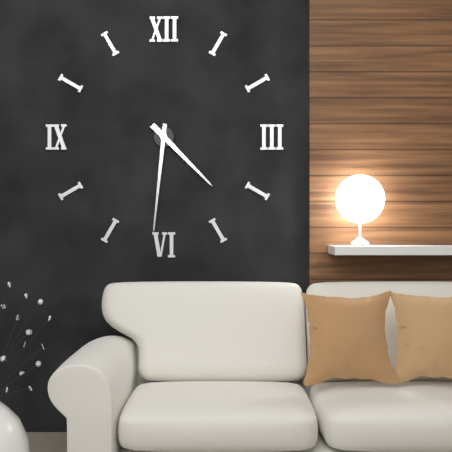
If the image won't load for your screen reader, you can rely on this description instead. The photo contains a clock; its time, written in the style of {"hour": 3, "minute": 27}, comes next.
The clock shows {"hour": 4, "minute": 31}
